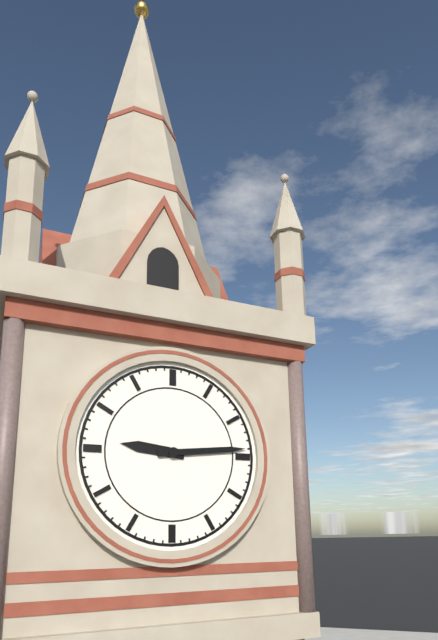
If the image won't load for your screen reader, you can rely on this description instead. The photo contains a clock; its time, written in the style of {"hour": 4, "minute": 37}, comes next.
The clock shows {"hour": 9, "minute": 14}
